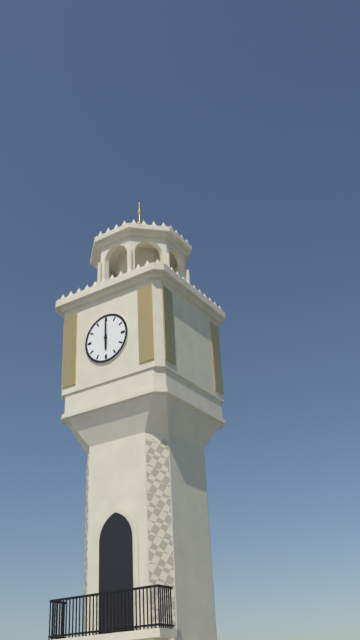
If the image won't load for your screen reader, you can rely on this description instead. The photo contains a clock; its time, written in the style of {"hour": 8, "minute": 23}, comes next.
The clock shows {"hour": 6, "minute": 0}
